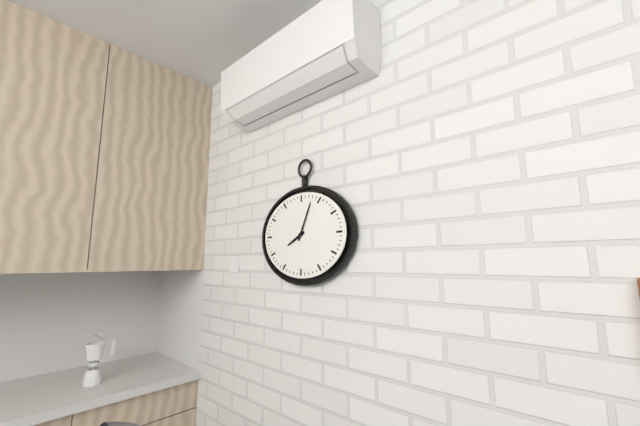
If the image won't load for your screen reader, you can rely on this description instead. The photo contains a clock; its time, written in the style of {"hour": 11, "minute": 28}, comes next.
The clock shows {"hour": 8, "minute": 4}
